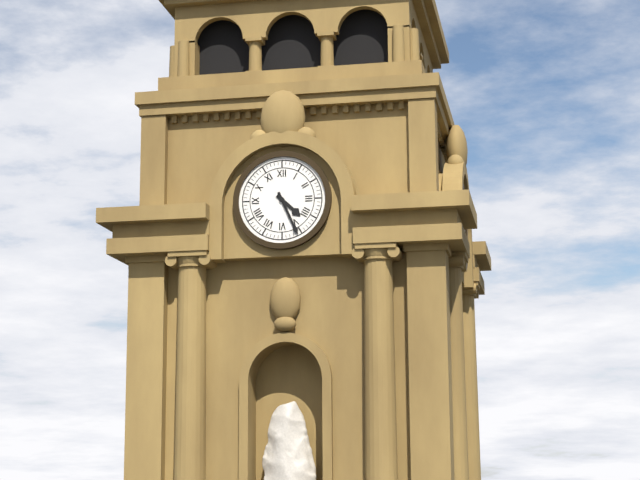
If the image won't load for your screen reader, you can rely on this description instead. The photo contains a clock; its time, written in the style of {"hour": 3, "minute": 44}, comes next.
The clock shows {"hour": 4, "minute": 26}
